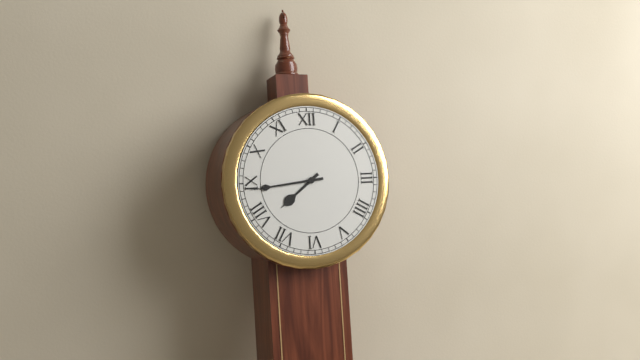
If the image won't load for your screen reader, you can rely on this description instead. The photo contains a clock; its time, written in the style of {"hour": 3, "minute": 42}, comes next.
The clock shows {"hour": 7, "minute": 44}
